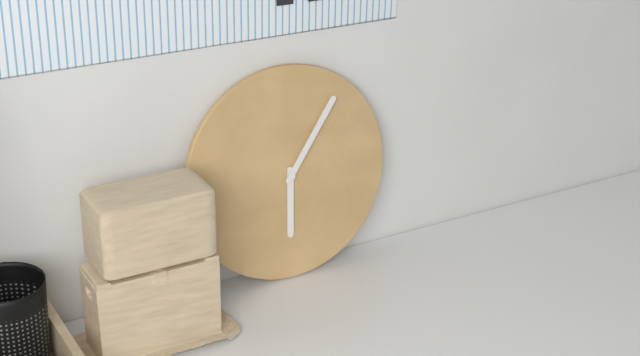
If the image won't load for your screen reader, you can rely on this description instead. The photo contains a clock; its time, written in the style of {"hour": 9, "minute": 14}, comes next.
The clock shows {"hour": 6, "minute": 6}
